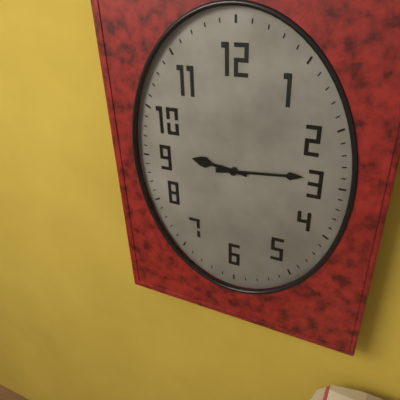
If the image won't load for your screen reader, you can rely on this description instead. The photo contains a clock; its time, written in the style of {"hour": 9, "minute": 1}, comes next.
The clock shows {"hour": 9, "minute": 14}
